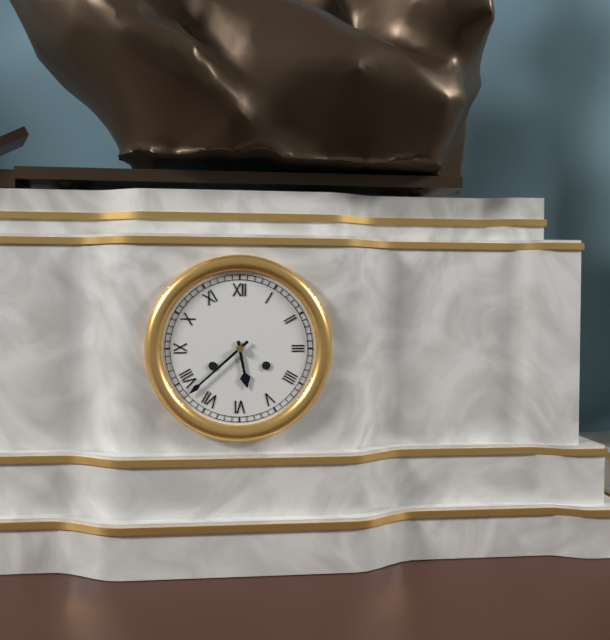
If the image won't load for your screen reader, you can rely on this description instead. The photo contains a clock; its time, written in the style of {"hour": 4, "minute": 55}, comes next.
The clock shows {"hour": 5, "minute": 38}
